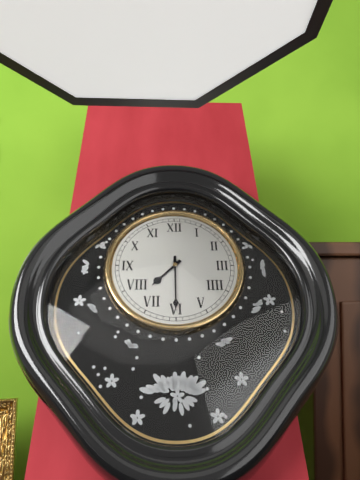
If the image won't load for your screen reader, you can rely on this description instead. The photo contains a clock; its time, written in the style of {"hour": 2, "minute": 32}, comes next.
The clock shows {"hour": 7, "minute": 30}
